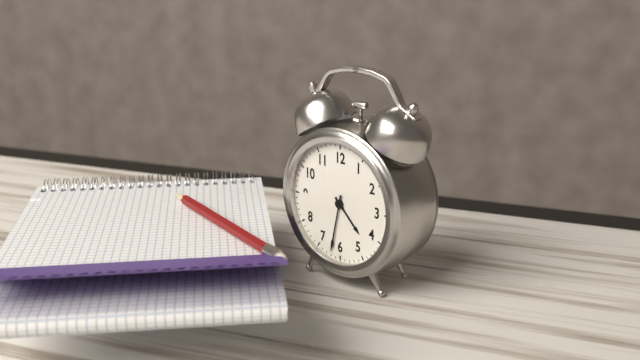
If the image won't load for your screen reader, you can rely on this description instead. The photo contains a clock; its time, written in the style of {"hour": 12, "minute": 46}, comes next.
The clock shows {"hour": 4, "minute": 32}
